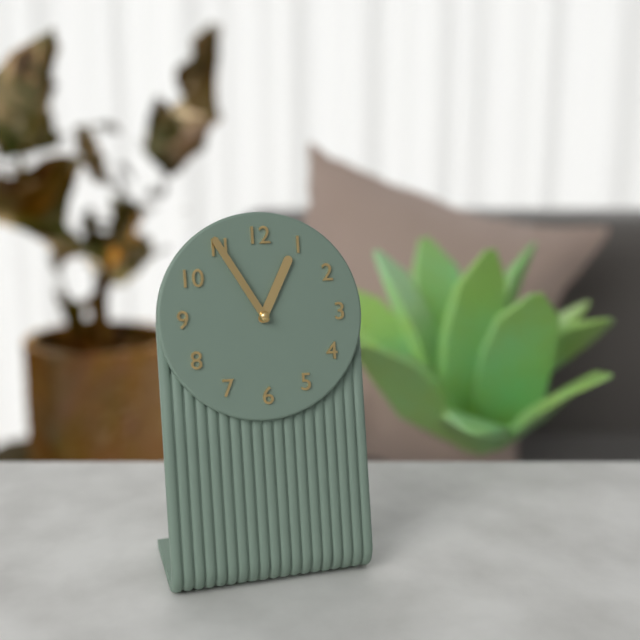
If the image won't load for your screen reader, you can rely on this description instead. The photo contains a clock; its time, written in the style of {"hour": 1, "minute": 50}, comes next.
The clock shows {"hour": 12, "minute": 55}
